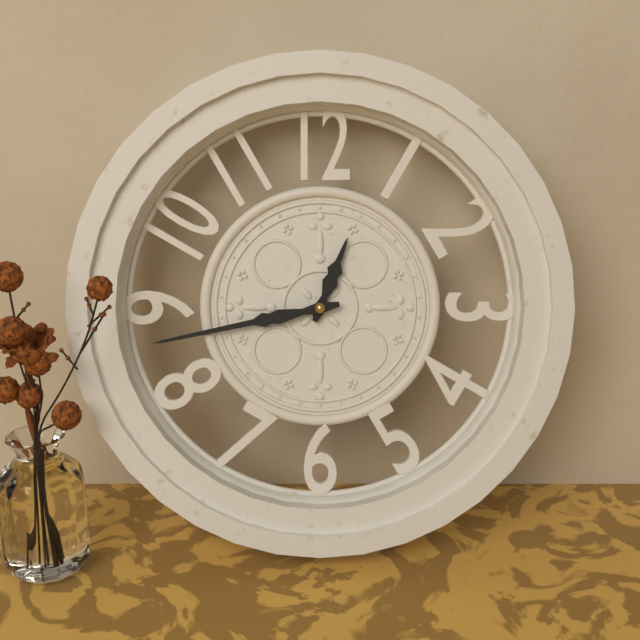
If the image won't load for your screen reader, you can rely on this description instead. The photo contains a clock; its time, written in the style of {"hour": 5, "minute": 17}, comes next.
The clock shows {"hour": 12, "minute": 43}
